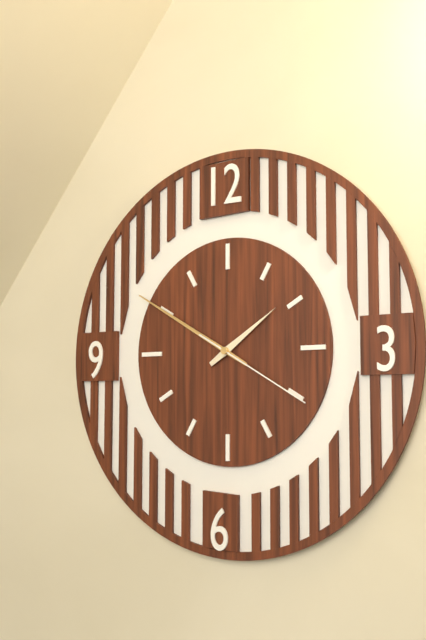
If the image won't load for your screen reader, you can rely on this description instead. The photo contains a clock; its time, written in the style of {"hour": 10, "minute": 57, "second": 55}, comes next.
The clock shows {"hour": 1, "minute": 50, "second": 20}
